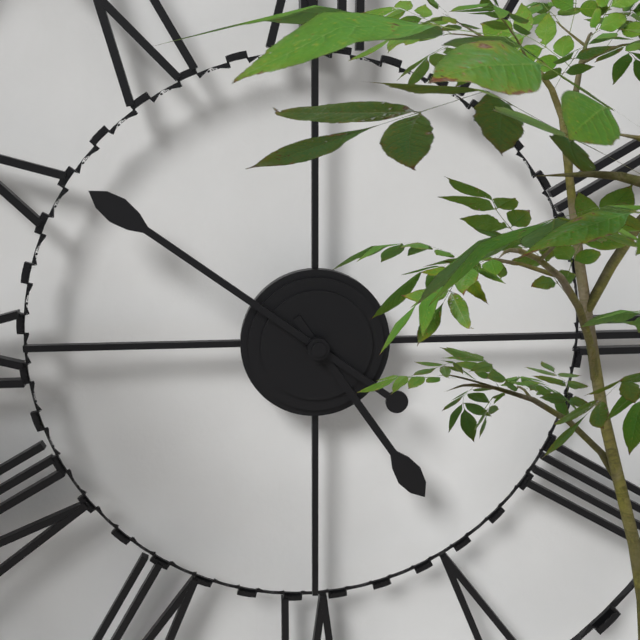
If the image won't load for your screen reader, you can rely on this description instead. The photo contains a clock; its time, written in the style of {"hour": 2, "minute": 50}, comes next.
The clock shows {"hour": 4, "minute": 51}
